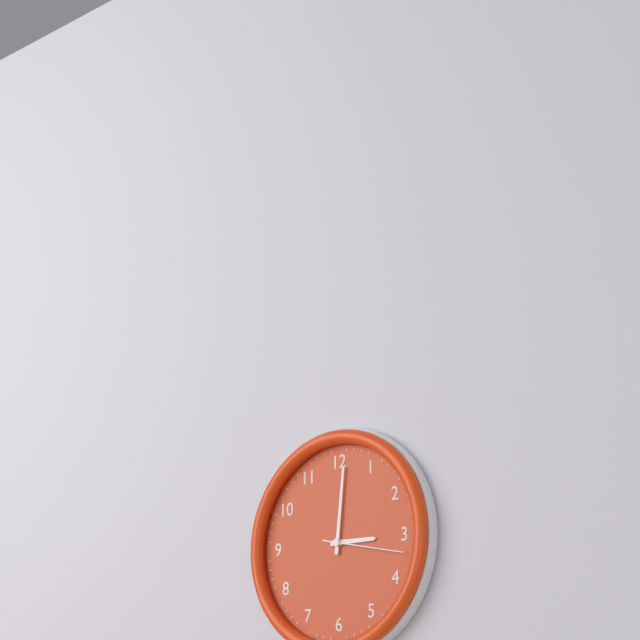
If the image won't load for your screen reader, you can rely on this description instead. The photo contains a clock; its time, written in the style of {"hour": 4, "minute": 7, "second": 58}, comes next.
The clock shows {"hour": 3, "minute": 1, "second": 17}
